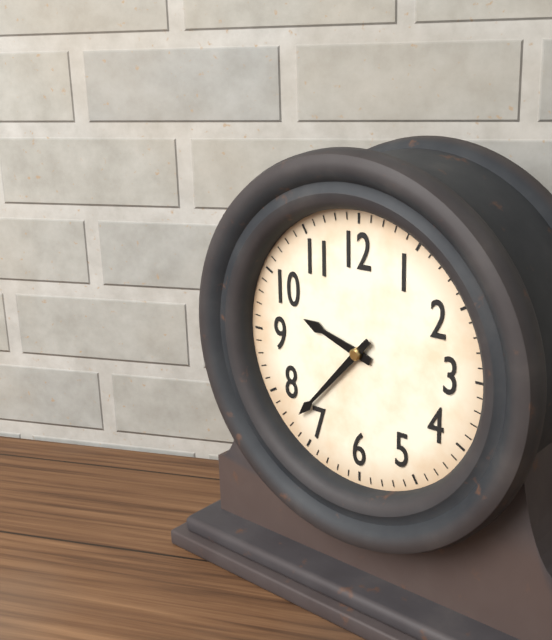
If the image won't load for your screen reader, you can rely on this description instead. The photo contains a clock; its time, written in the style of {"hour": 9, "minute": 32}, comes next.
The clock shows {"hour": 9, "minute": 37}
